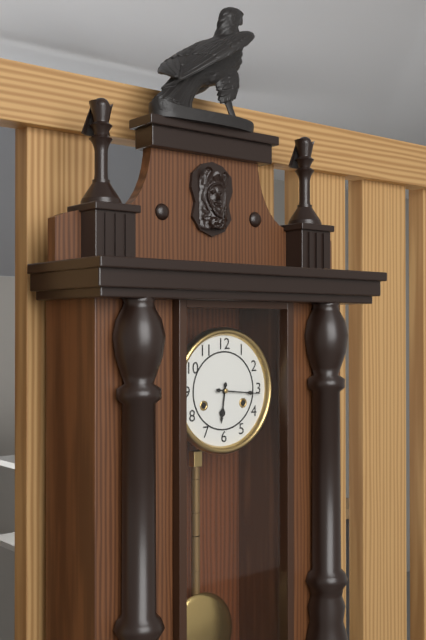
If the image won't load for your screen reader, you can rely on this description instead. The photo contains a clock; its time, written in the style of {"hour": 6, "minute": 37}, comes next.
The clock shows {"hour": 6, "minute": 16}
